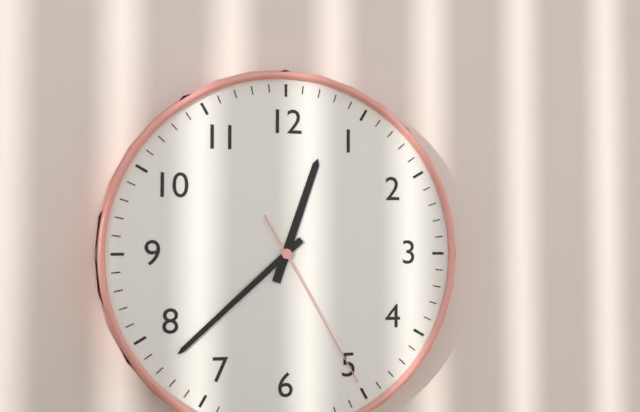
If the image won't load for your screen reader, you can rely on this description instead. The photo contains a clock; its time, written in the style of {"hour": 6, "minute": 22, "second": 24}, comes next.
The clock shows {"hour": 12, "minute": 38, "second": 25}
